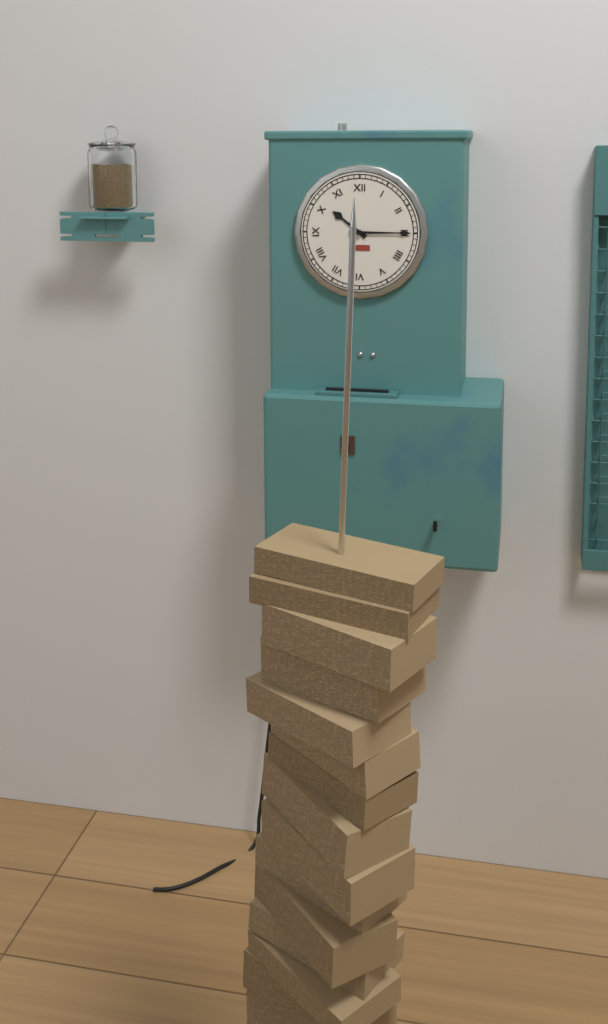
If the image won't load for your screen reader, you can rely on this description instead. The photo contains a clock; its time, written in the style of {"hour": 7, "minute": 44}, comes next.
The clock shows {"hour": 10, "minute": 15}
